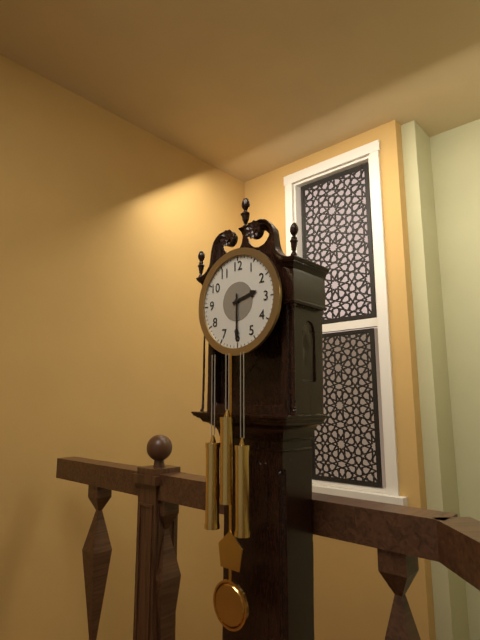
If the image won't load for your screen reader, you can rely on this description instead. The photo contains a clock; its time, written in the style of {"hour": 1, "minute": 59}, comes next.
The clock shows {"hour": 2, "minute": 30}
